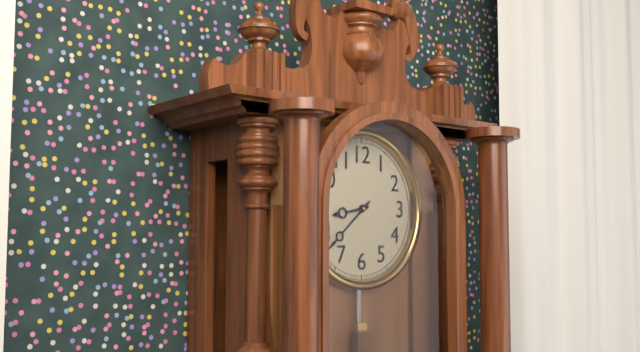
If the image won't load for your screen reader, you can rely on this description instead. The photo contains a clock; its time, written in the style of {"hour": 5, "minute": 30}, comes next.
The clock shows {"hour": 8, "minute": 38}
